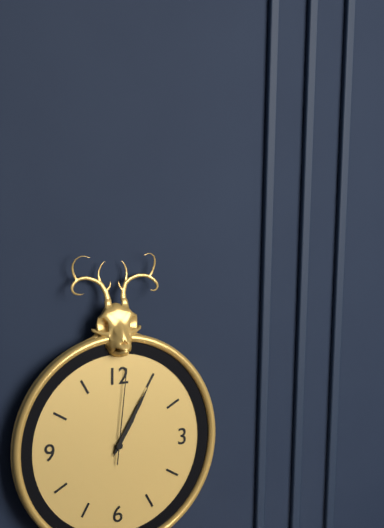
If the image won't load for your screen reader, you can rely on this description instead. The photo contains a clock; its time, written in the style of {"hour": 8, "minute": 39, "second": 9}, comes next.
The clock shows {"hour": 1, "minute": 5, "second": 1}
